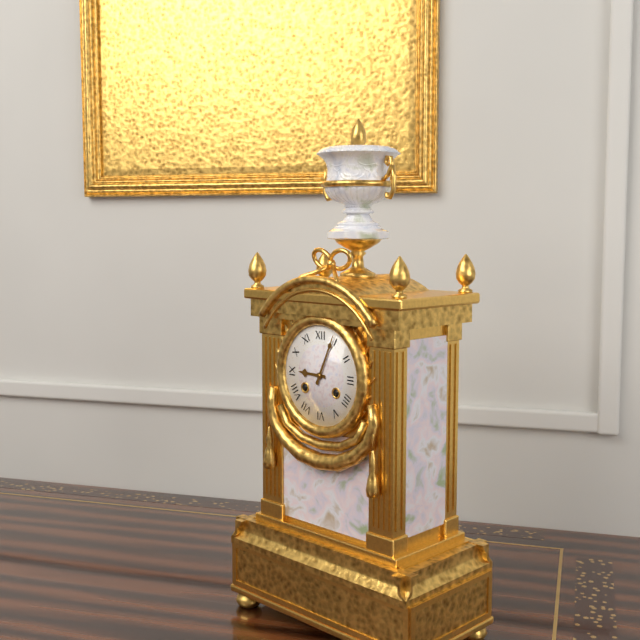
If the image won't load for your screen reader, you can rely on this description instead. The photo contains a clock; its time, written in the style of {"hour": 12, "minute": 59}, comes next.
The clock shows {"hour": 9, "minute": 4}
